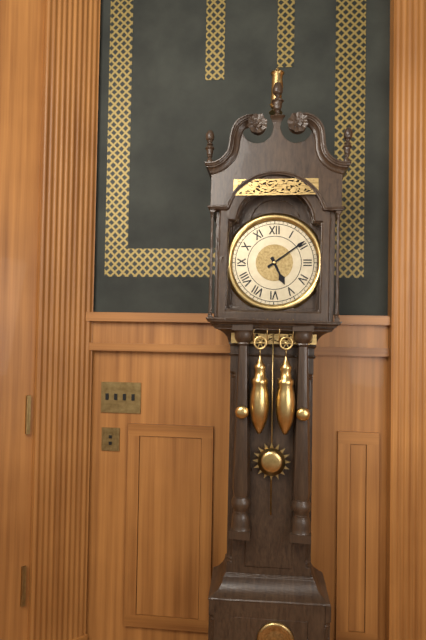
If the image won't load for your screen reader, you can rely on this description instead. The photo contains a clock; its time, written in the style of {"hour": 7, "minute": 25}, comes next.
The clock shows {"hour": 5, "minute": 9}
